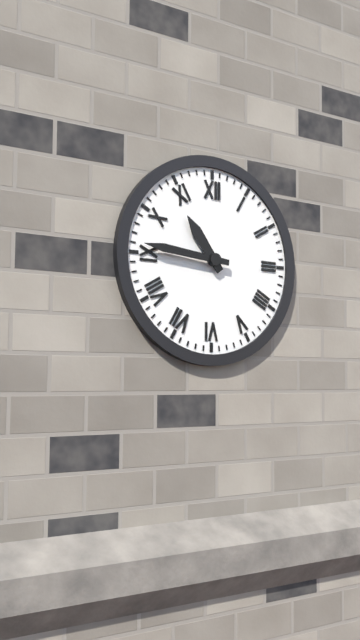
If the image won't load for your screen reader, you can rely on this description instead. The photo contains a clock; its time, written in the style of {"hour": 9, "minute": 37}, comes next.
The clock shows {"hour": 10, "minute": 46}
